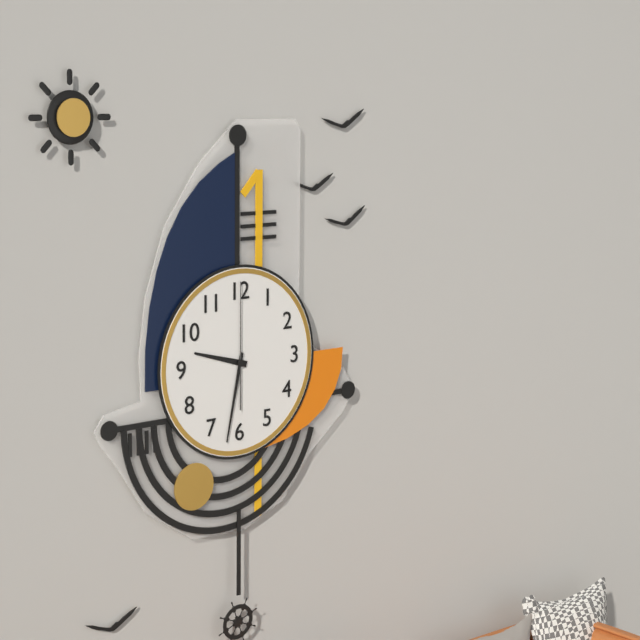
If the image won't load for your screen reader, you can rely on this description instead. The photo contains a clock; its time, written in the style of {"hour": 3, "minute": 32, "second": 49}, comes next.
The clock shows {"hour": 9, "minute": 32, "second": 0}
